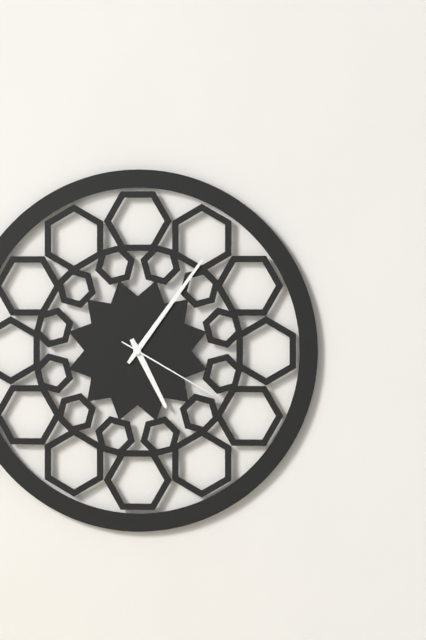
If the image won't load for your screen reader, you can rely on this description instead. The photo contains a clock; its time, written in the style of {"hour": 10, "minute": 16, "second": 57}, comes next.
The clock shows {"hour": 5, "minute": 6, "second": 20}
